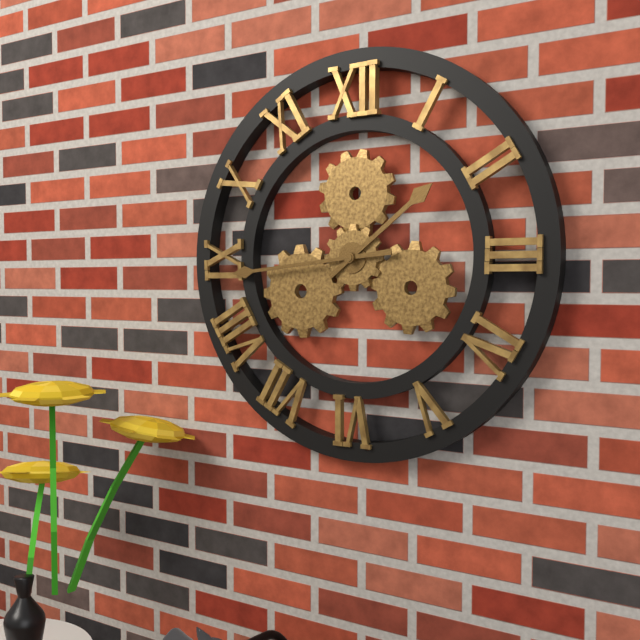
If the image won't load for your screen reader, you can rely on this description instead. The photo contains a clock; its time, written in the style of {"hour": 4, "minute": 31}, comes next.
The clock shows {"hour": 1, "minute": 44}
